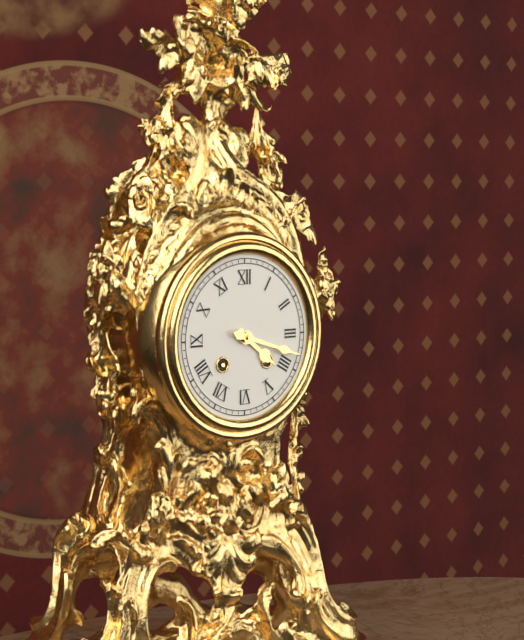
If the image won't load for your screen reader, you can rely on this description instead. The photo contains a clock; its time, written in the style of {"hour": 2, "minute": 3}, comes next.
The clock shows {"hour": 4, "minute": 18}
